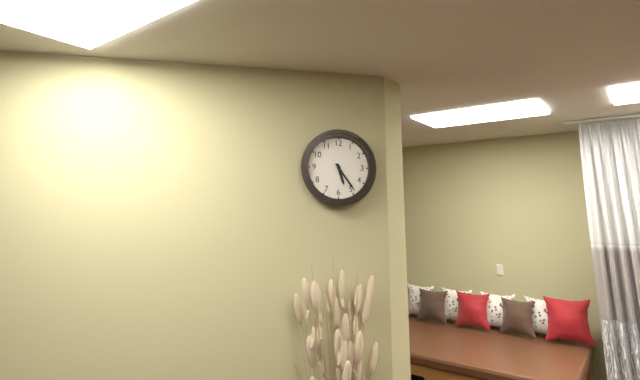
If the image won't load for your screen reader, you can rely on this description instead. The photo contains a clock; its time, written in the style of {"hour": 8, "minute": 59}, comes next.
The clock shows {"hour": 5, "minute": 24}
